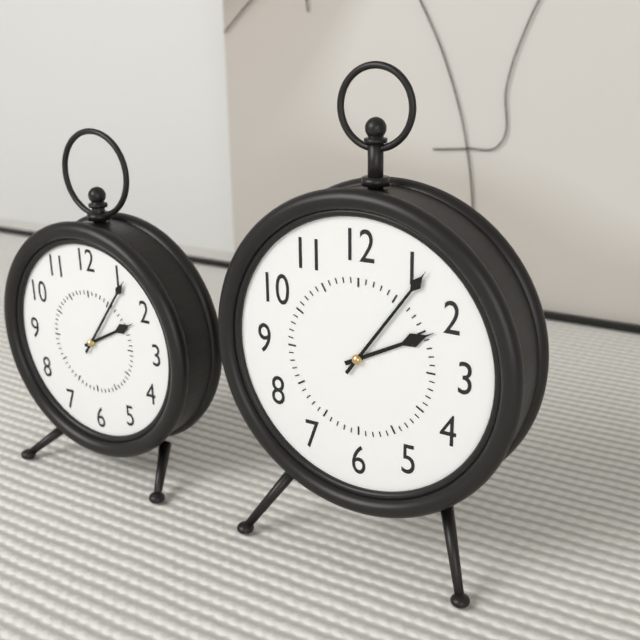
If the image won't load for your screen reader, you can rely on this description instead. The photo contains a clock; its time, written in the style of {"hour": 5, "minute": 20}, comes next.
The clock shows {"hour": 2, "minute": 6}
